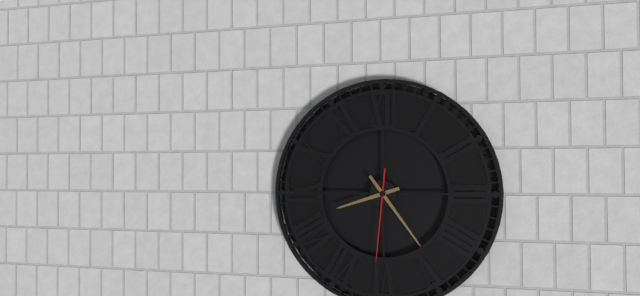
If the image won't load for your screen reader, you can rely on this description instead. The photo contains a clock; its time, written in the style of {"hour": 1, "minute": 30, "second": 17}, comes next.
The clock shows {"hour": 8, "minute": 24, "second": 31}
